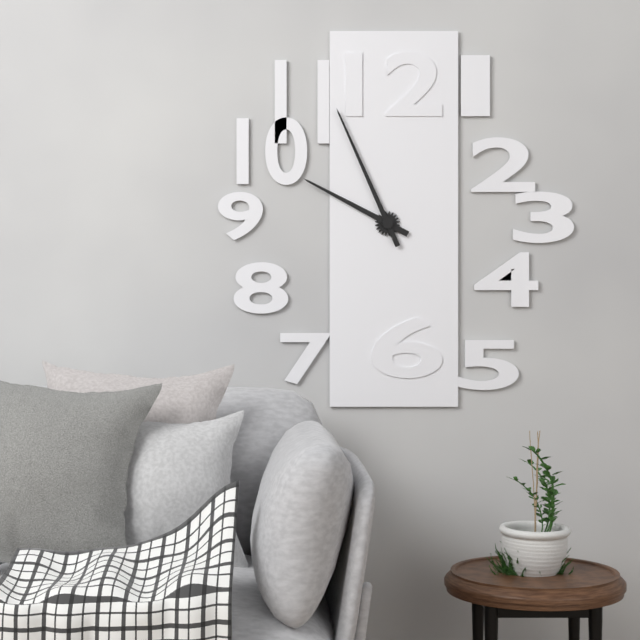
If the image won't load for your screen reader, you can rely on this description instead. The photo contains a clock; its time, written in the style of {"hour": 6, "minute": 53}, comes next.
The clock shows {"hour": 9, "minute": 56}
